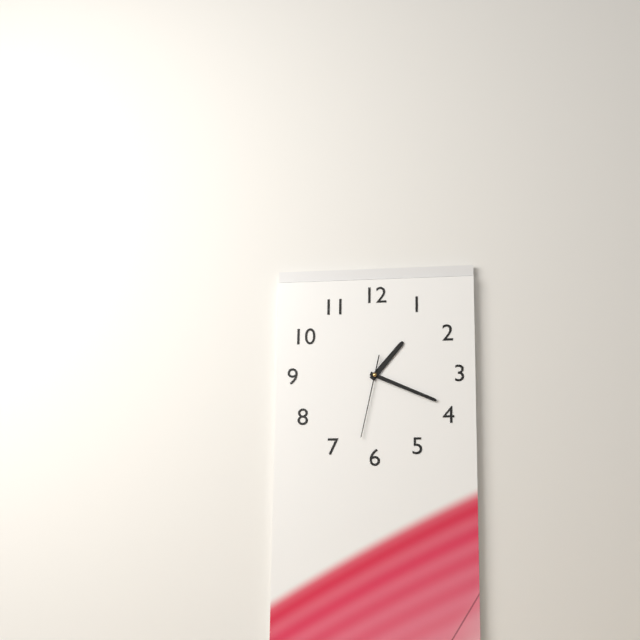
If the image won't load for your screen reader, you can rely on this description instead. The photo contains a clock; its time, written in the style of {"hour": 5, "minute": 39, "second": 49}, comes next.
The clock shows {"hour": 1, "minute": 19, "second": 32}
